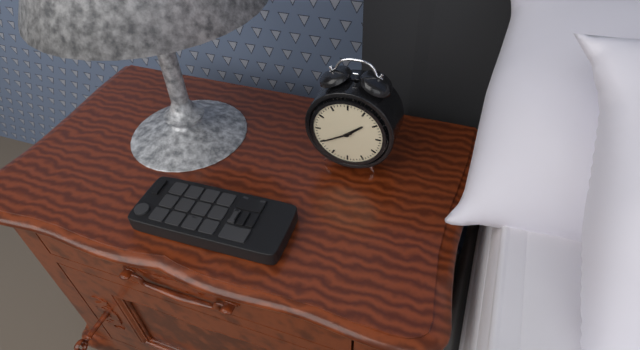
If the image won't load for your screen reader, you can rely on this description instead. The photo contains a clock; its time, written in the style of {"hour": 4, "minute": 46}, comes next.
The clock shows {"hour": 1, "minute": 40}
